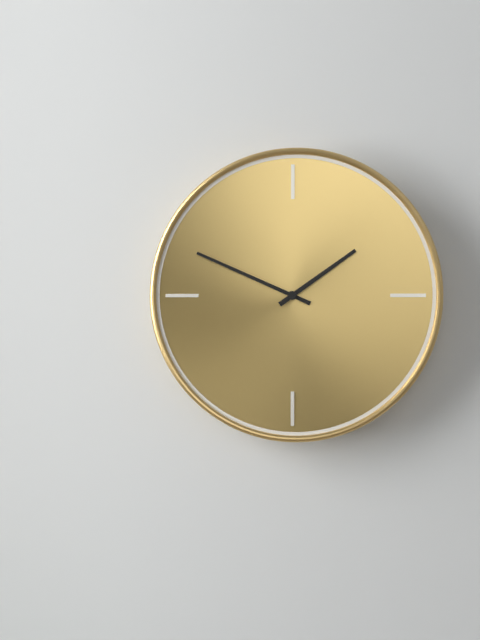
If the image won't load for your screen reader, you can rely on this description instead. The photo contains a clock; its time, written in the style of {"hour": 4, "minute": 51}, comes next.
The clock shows {"hour": 1, "minute": 49}
